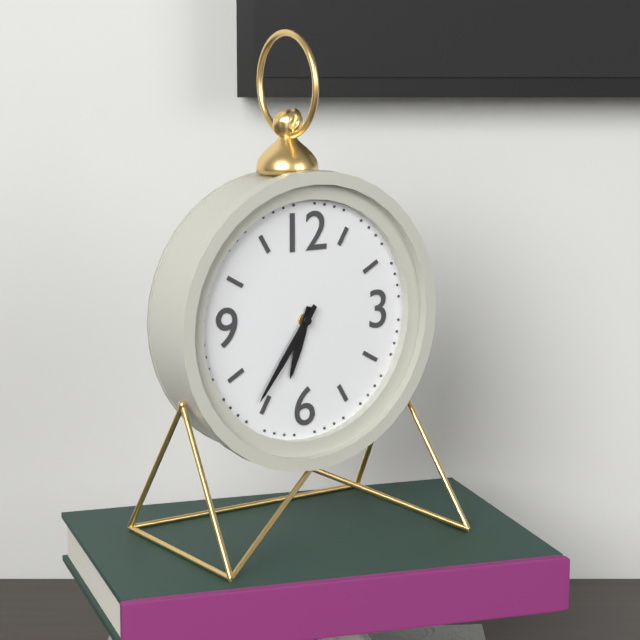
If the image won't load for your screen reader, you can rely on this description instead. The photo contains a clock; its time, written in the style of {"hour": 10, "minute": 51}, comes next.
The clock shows {"hour": 6, "minute": 36}
